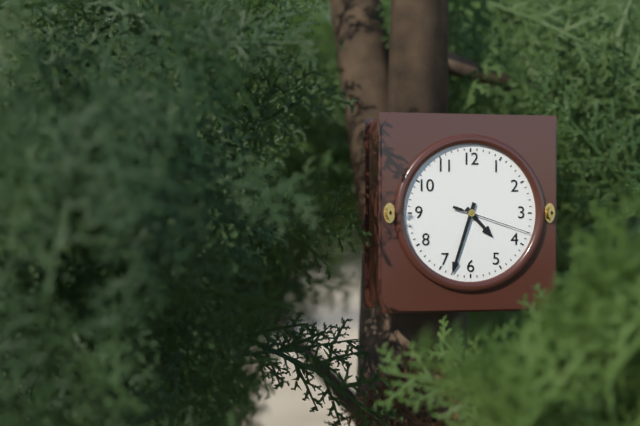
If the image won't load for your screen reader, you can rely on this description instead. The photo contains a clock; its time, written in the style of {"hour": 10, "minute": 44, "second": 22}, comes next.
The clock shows {"hour": 4, "minute": 33, "second": 18}
